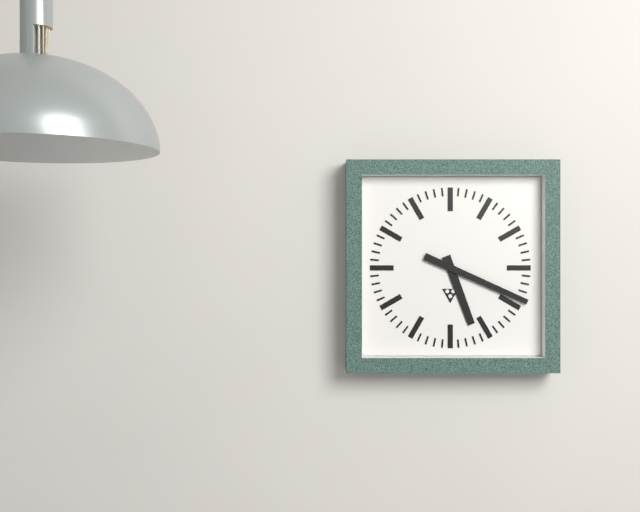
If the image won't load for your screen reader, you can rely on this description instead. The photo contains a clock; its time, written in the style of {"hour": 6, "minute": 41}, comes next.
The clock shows {"hour": 5, "minute": 19}
